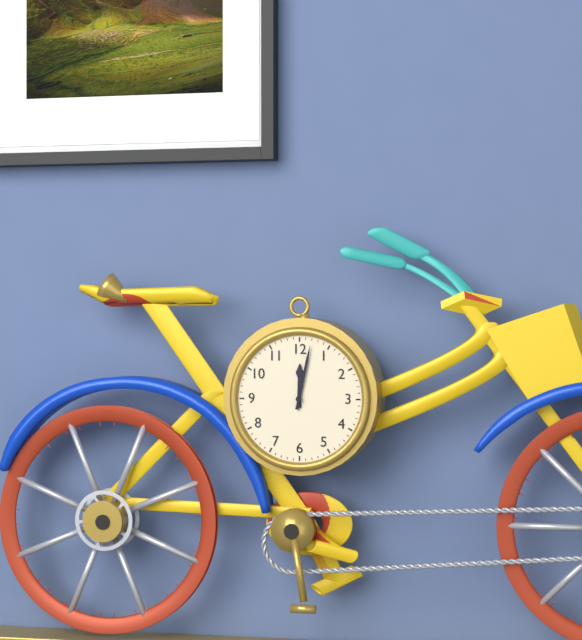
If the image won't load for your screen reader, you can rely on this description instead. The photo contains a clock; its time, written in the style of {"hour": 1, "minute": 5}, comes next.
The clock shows {"hour": 12, "minute": 2}
